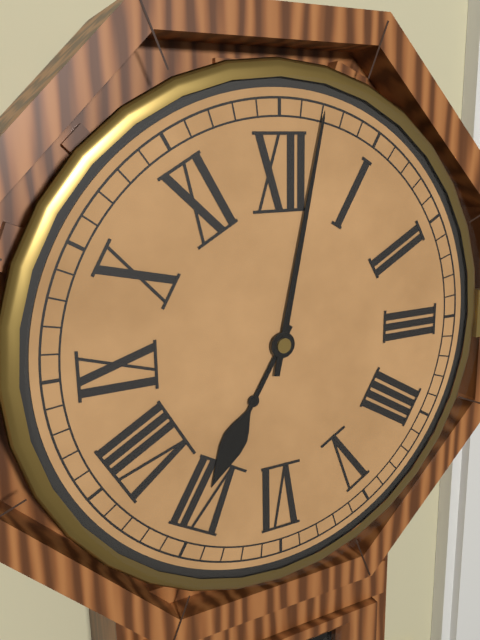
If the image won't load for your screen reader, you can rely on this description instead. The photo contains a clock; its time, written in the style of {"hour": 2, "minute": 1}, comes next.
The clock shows {"hour": 7, "minute": 2}
